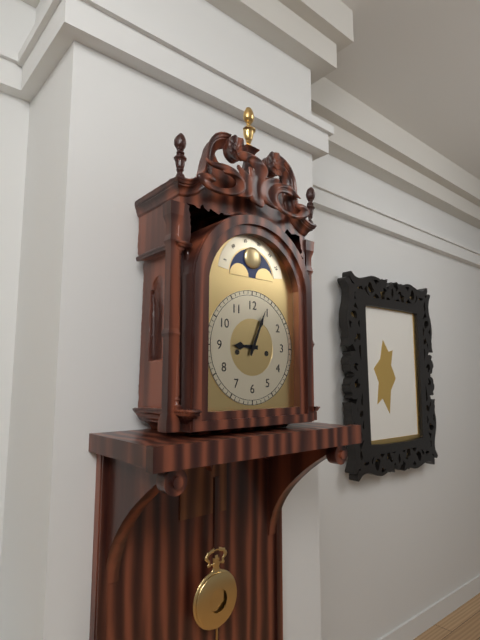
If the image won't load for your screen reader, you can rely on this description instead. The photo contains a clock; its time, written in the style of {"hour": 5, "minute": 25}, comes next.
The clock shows {"hour": 9, "minute": 4}
